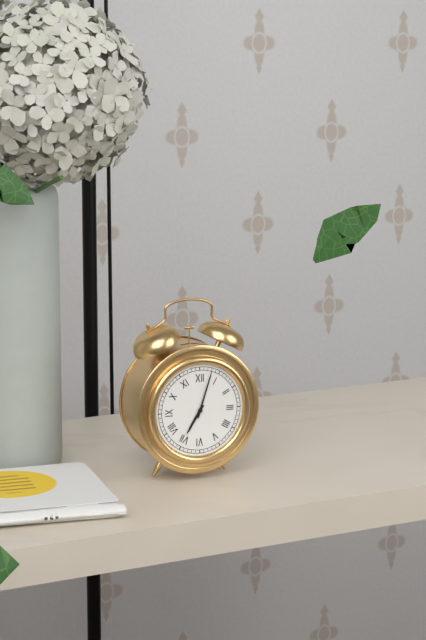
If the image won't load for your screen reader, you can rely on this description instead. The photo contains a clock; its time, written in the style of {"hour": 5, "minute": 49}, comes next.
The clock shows {"hour": 7, "minute": 3}
